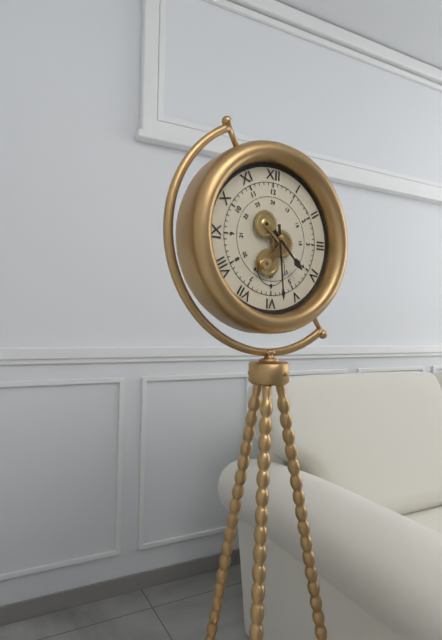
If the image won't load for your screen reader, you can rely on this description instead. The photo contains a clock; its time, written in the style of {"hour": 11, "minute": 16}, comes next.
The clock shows {"hour": 4, "minute": 29}
